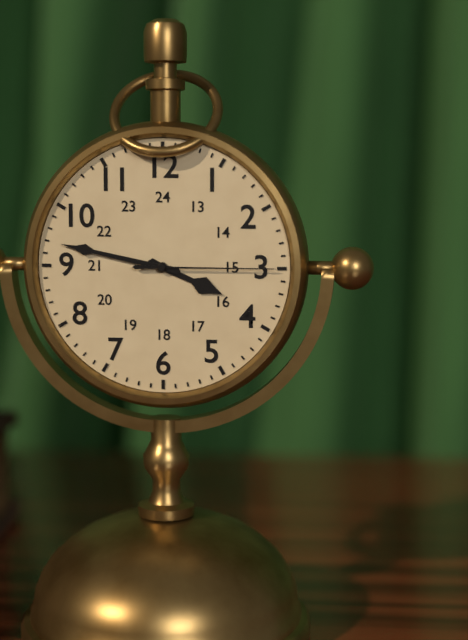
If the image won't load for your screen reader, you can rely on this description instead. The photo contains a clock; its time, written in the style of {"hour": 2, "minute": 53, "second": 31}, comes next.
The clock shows {"hour": 3, "minute": 47, "second": 15}
